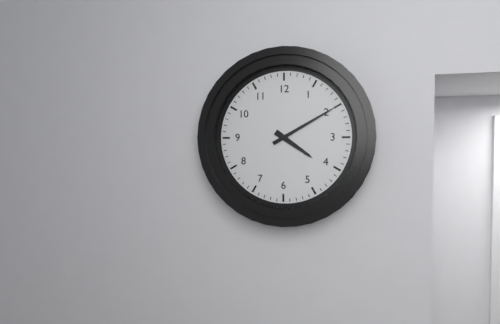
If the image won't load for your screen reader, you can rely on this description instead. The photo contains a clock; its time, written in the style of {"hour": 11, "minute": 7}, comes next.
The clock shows {"hour": 4, "minute": 10}
